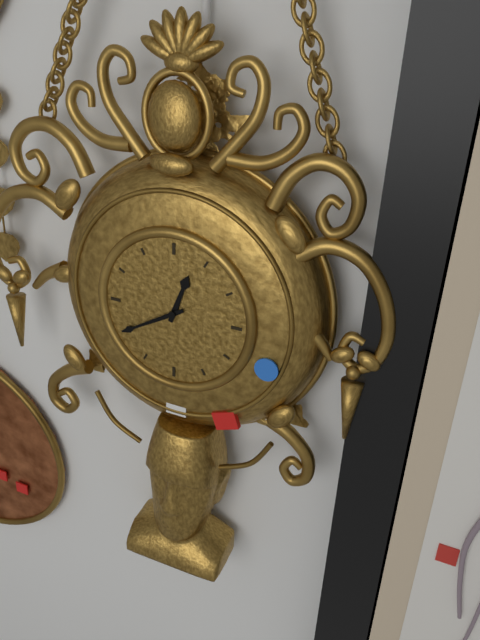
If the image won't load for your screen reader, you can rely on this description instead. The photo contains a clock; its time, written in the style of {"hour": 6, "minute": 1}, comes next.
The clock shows {"hour": 12, "minute": 40}
